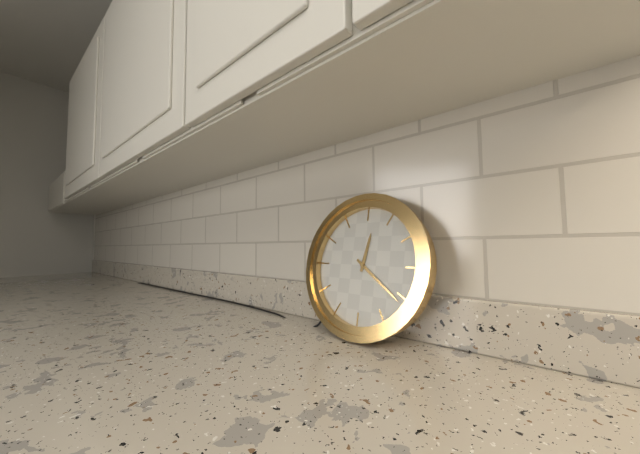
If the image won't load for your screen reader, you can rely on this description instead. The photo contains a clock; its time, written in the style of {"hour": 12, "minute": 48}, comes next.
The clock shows {"hour": 12, "minute": 21}
